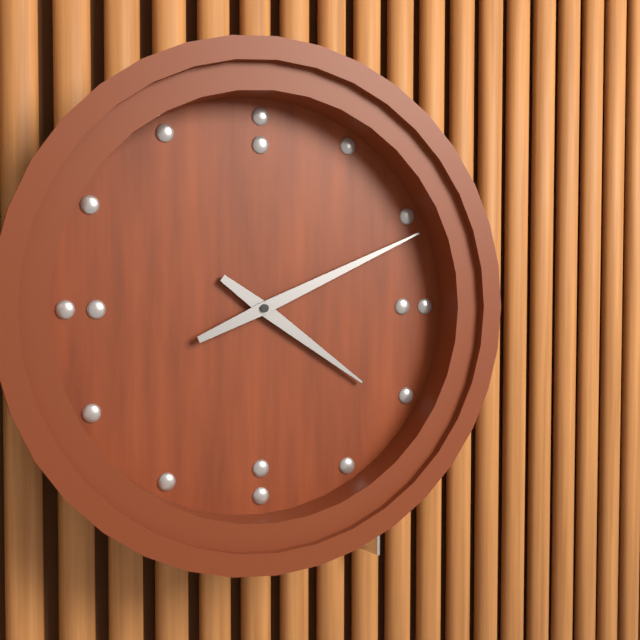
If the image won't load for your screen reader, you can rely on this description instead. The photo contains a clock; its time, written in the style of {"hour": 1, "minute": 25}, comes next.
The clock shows {"hour": 4, "minute": 11}
